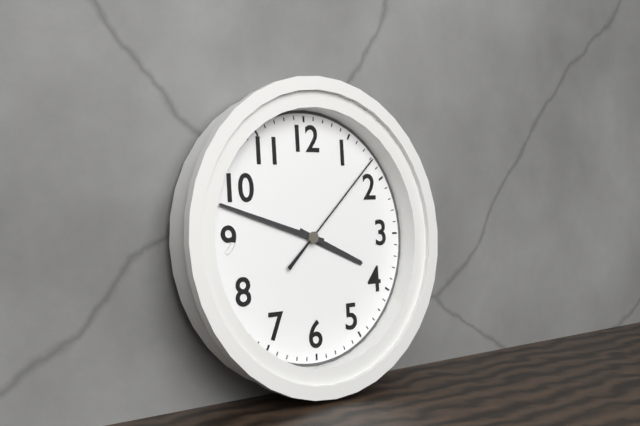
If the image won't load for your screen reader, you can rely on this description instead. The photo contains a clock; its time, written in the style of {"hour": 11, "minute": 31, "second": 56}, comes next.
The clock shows {"hour": 3, "minute": 48, "second": 8}
